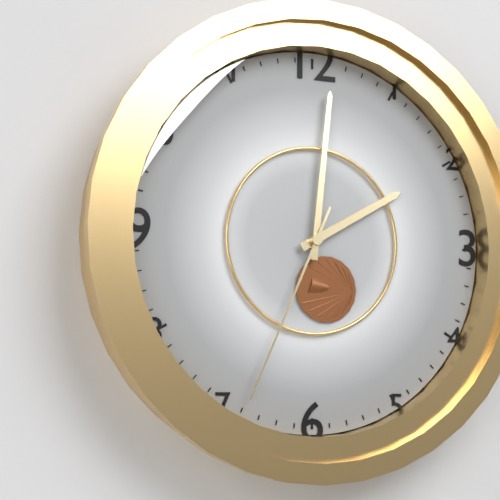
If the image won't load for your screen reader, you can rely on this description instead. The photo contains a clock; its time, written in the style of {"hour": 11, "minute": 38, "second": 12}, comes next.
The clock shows {"hour": 2, "minute": 1, "second": 34}
